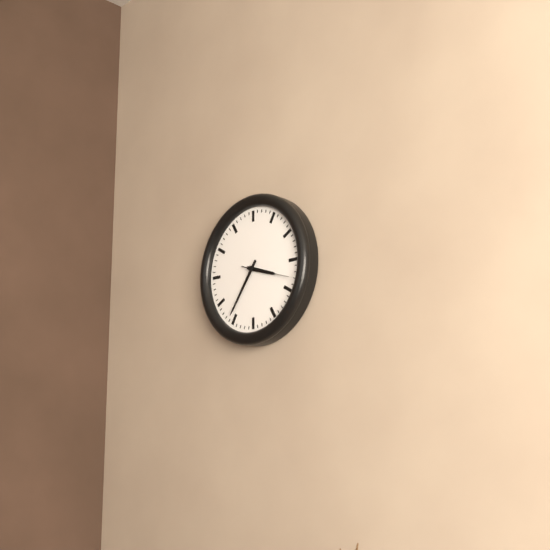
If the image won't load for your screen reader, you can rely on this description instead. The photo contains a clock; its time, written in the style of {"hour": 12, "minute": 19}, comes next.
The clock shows {"hour": 3, "minute": 36}
